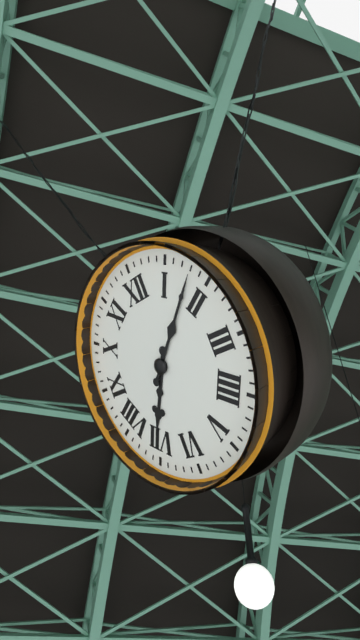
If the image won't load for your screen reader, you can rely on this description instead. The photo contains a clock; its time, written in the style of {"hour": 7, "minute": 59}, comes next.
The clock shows {"hour": 7, "minute": 8}
